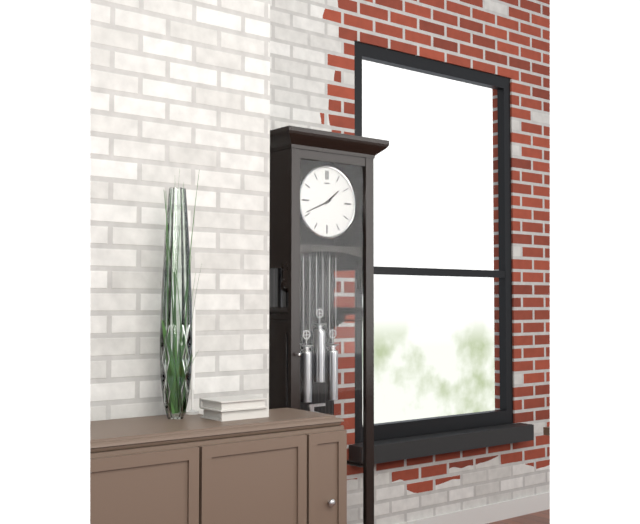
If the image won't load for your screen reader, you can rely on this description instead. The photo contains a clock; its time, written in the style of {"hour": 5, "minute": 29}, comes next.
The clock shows {"hour": 1, "minute": 41}
